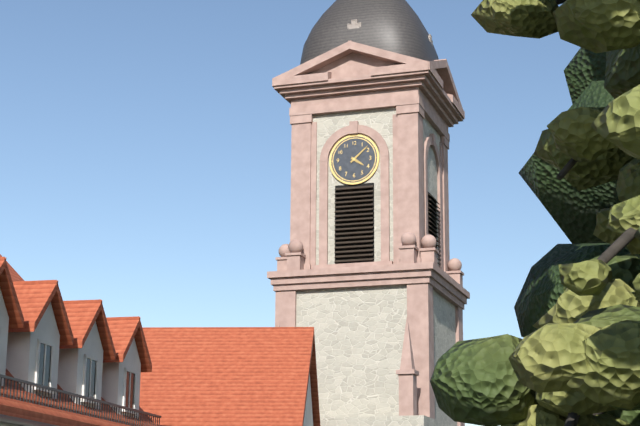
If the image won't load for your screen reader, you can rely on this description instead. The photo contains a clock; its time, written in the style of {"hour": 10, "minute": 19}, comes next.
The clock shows {"hour": 4, "minute": 8}
